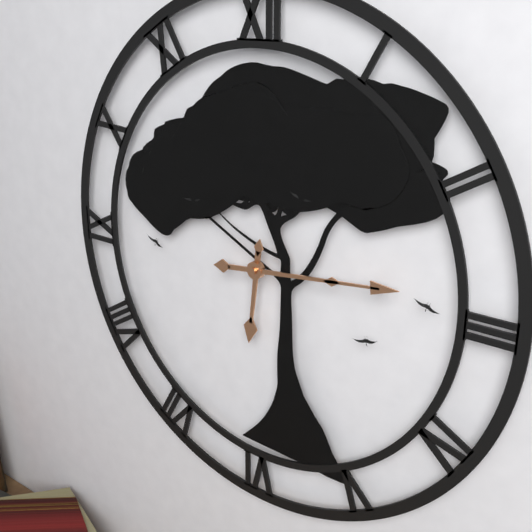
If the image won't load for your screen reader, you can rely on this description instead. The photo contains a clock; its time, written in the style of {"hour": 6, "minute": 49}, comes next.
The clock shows {"hour": 6, "minute": 14}
